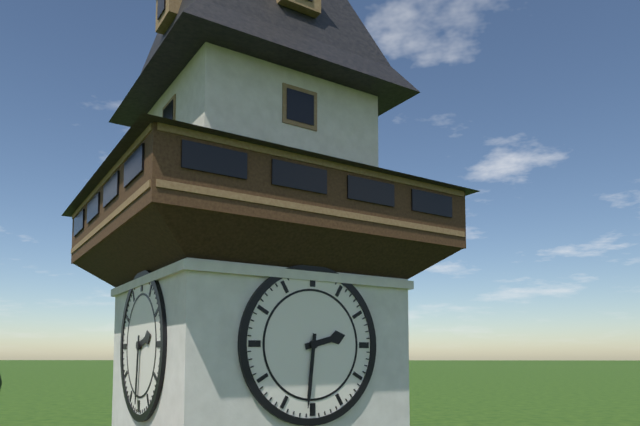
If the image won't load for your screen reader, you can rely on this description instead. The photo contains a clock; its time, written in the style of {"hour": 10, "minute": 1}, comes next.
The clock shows {"hour": 2, "minute": 31}
